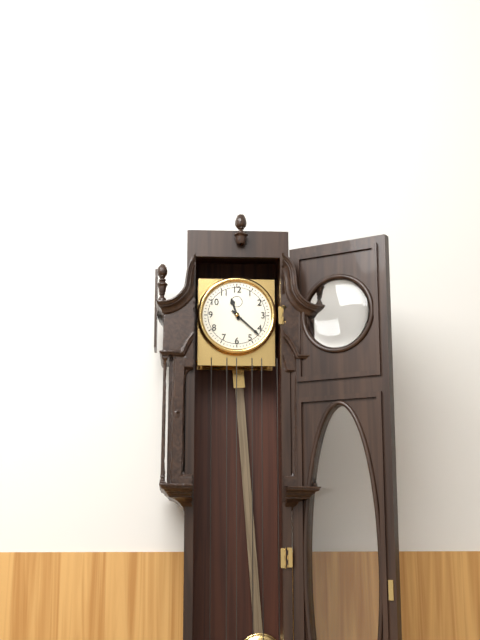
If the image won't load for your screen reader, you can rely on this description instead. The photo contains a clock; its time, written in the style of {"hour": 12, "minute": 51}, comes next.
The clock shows {"hour": 11, "minute": 22}
